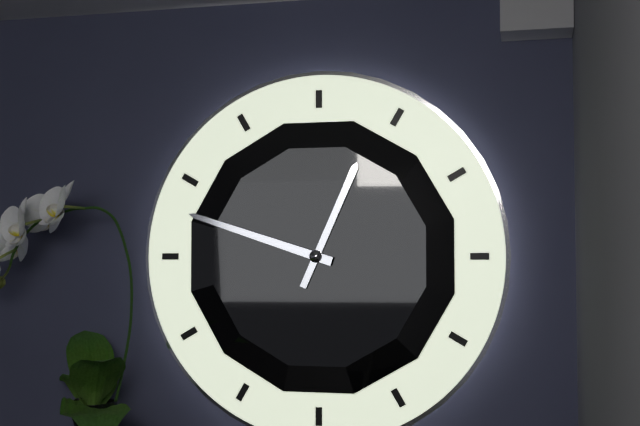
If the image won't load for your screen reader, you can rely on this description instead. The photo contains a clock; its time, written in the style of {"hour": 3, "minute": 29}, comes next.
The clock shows {"hour": 12, "minute": 48}
